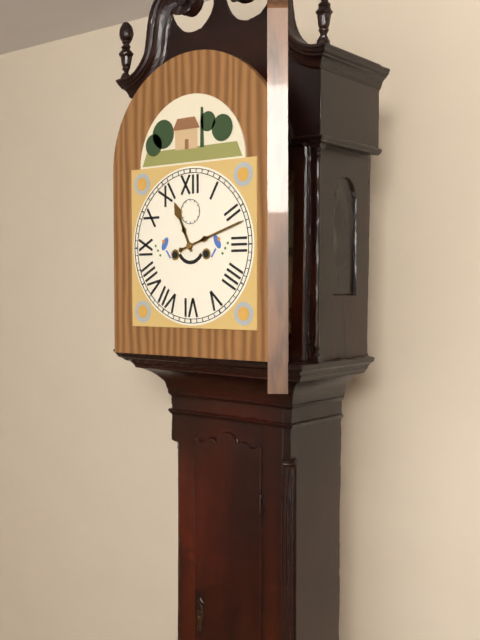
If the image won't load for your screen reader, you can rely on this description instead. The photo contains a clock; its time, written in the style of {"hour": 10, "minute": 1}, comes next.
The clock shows {"hour": 11, "minute": 12}
